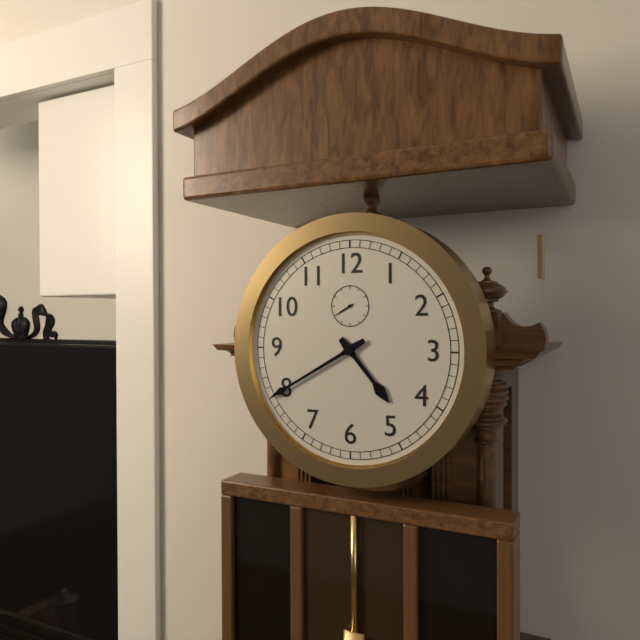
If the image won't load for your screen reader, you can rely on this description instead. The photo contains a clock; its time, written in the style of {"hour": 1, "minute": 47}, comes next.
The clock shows {"hour": 4, "minute": 40}
